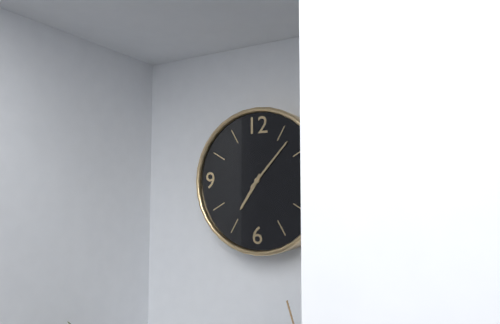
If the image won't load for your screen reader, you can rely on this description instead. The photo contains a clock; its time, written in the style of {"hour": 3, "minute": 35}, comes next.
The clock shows {"hour": 7, "minute": 7}
